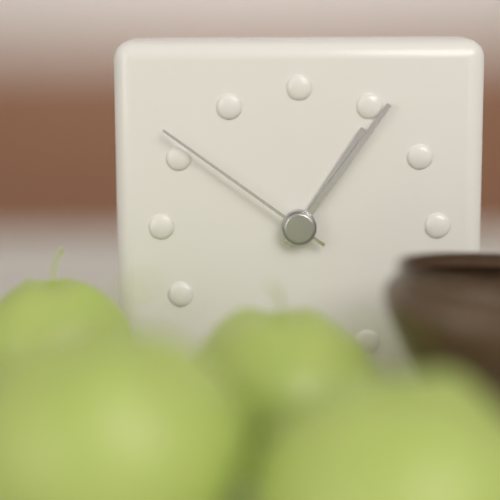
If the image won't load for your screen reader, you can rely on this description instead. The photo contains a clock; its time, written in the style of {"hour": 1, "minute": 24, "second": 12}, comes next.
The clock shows {"hour": 1, "minute": 6, "second": 51}
